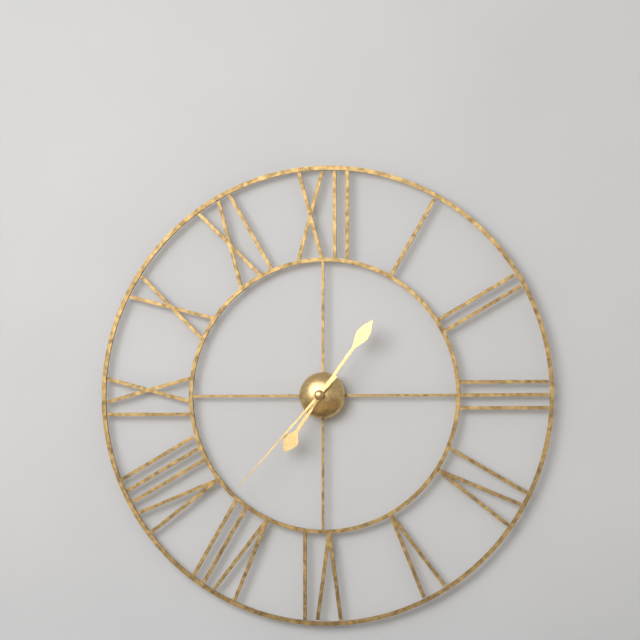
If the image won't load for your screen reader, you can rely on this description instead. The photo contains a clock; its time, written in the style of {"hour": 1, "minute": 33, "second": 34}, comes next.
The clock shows {"hour": 7, "minute": 6, "second": 37}
